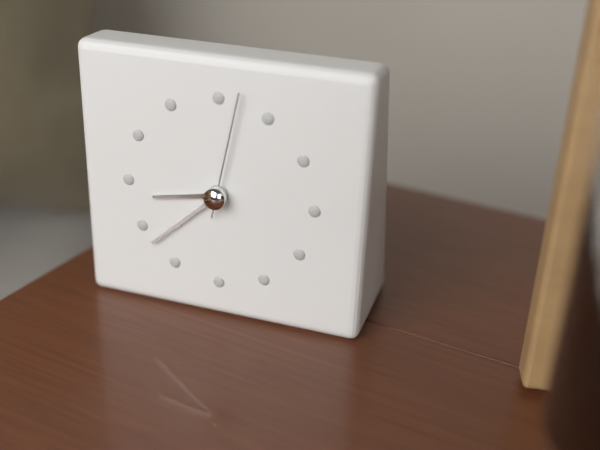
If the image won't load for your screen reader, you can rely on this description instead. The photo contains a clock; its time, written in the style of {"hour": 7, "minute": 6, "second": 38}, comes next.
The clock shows {"hour": 8, "minute": 38, "second": 2}
